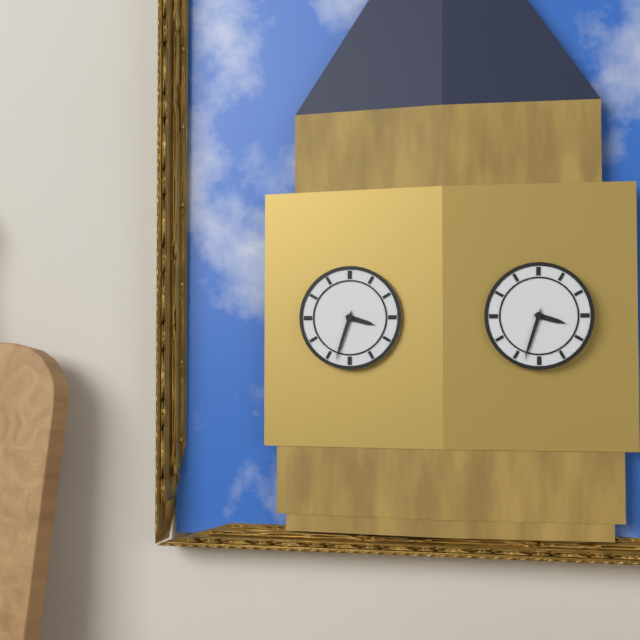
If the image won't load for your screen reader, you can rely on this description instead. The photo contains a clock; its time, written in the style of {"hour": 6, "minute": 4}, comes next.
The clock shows {"hour": 3, "minute": 33}
